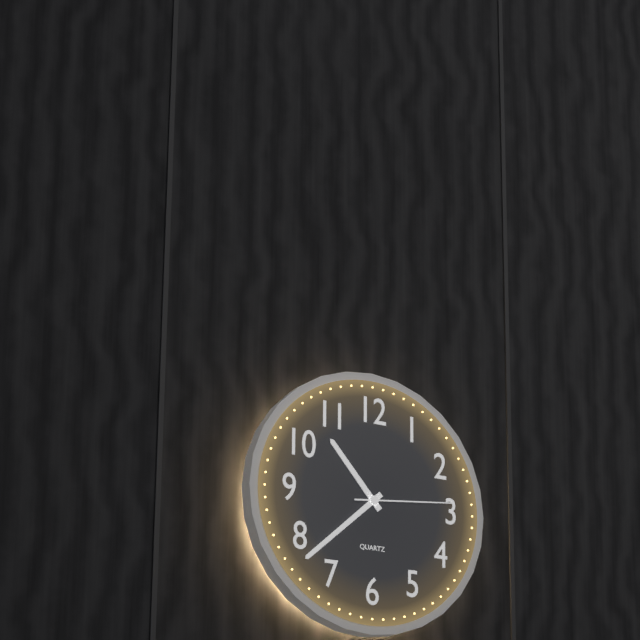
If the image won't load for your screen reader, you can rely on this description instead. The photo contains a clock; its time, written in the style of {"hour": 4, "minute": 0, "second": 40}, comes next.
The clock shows {"hour": 10, "minute": 38, "second": 14}
